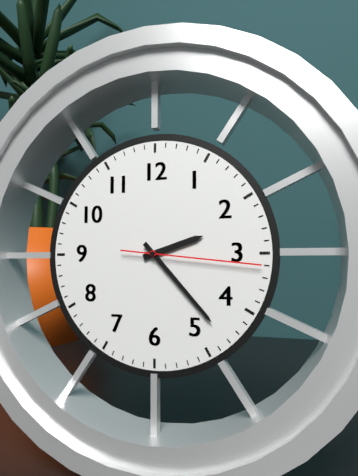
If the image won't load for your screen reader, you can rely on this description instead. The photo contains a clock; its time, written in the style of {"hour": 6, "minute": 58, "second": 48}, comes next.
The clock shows {"hour": 2, "minute": 23, "second": 16}
